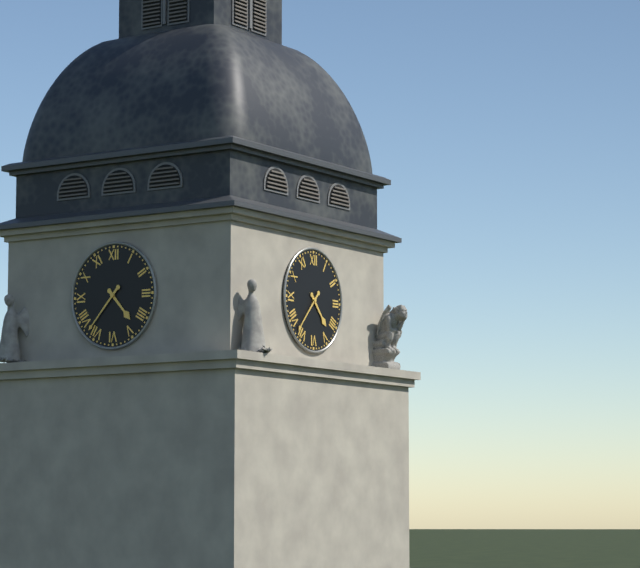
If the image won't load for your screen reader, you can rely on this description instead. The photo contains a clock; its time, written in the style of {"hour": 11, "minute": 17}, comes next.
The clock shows {"hour": 4, "minute": 37}
